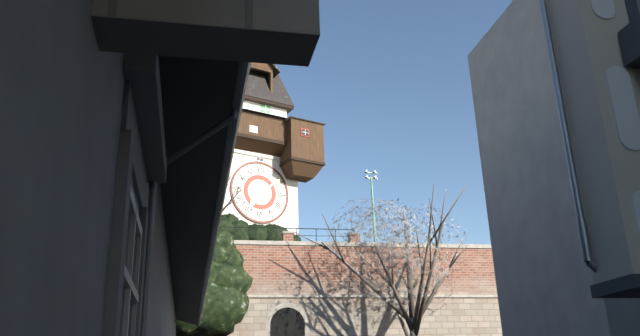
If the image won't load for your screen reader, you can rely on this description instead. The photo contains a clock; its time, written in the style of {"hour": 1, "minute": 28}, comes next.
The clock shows {"hour": 7, "minute": 9}
